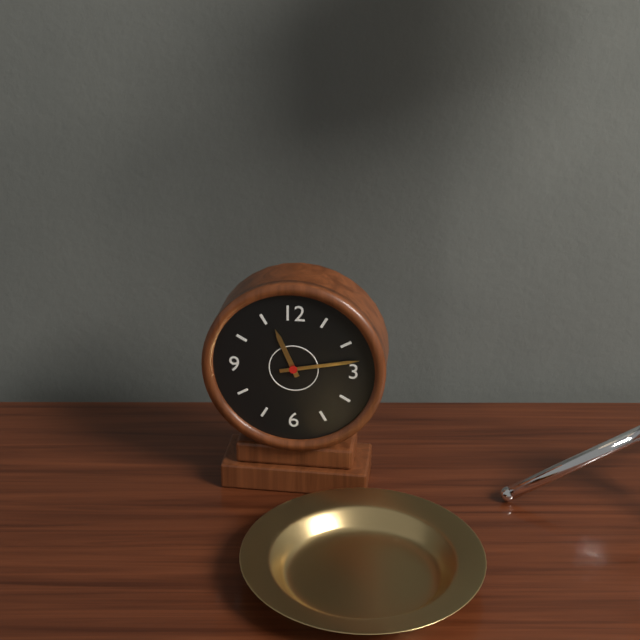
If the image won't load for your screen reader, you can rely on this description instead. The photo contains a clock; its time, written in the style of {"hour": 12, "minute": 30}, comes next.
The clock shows {"hour": 11, "minute": 13}
